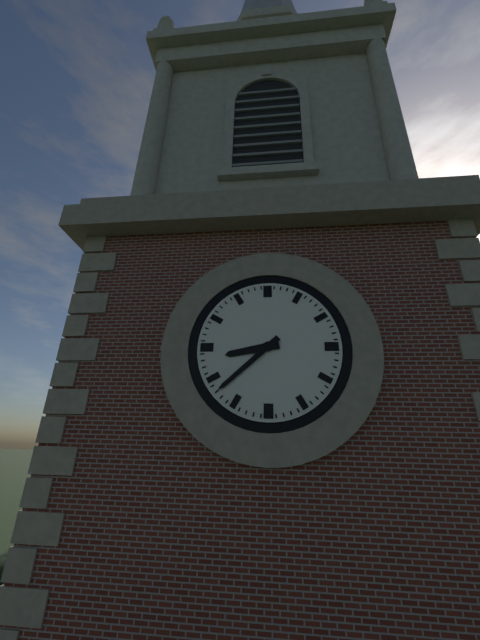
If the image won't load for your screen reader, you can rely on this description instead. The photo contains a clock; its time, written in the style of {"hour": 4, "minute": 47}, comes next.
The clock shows {"hour": 8, "minute": 38}
